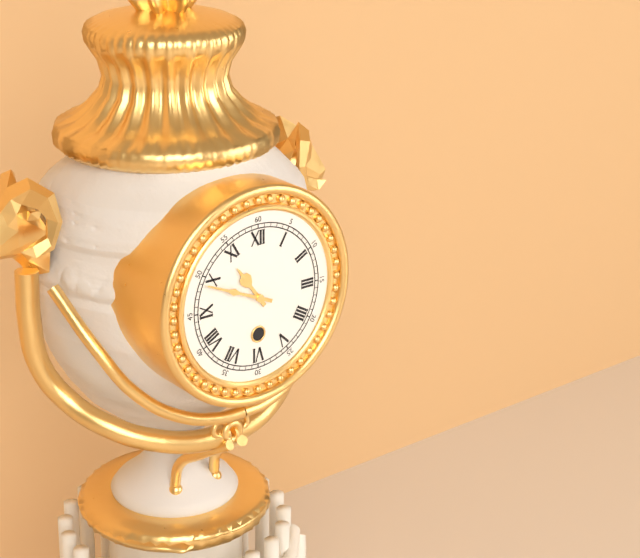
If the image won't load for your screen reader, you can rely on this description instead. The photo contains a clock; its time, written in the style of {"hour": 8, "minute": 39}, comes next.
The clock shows {"hour": 10, "minute": 49}
